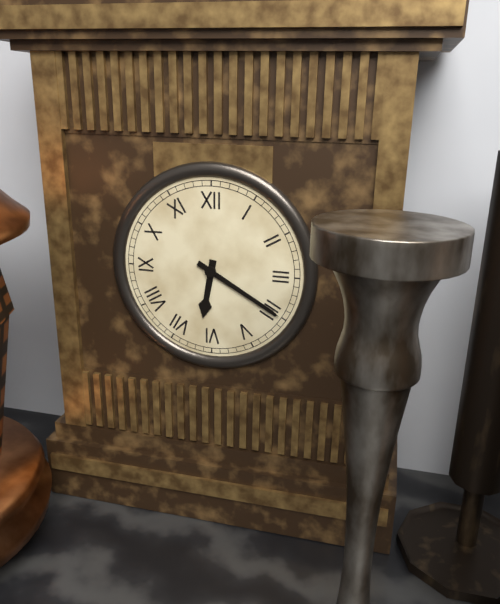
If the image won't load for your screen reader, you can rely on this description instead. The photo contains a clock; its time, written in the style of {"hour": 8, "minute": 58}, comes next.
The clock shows {"hour": 6, "minute": 20}
